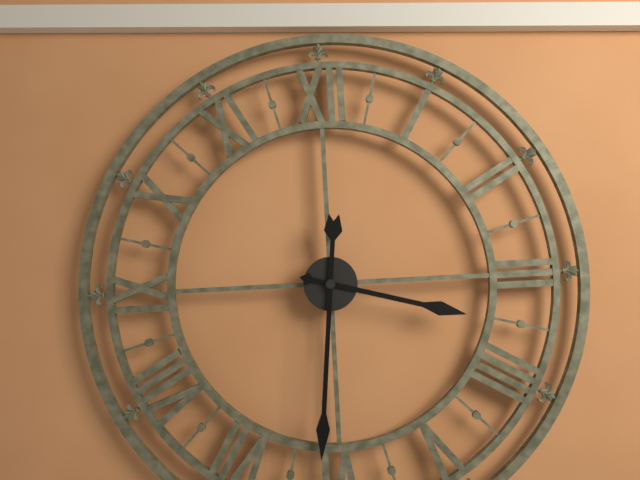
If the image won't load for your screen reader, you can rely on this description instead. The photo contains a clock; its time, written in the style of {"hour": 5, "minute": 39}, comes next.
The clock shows {"hour": 3, "minute": 31}
